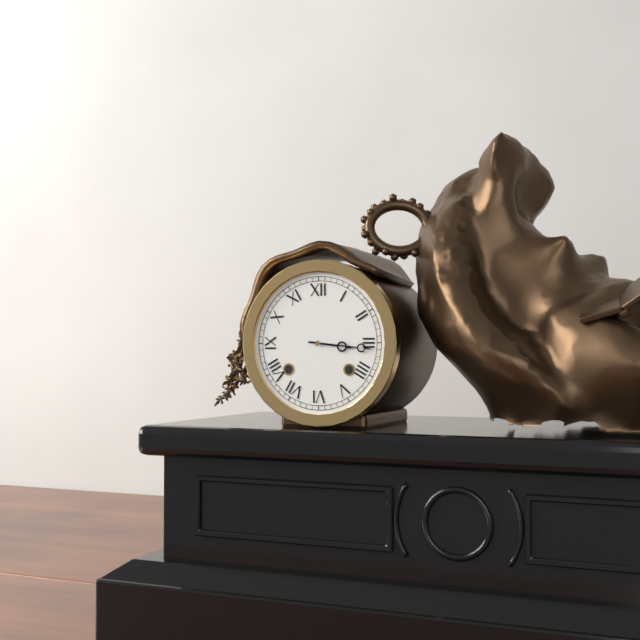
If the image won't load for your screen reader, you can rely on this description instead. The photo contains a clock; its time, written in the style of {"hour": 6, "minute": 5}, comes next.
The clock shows {"hour": 3, "minute": 16}
